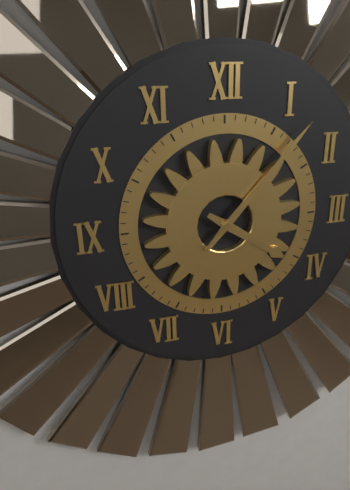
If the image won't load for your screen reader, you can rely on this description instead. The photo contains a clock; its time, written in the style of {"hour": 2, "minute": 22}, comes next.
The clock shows {"hour": 4, "minute": 7}
